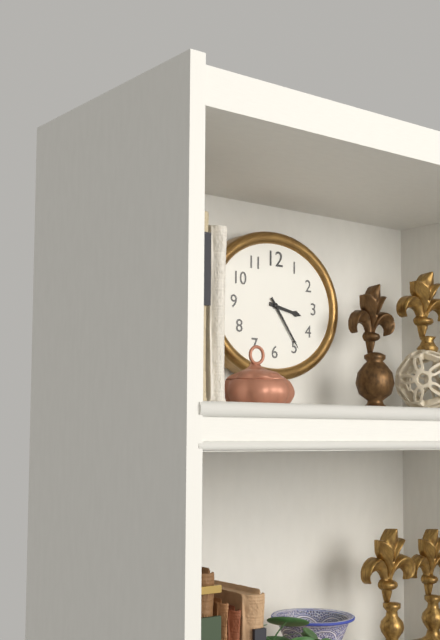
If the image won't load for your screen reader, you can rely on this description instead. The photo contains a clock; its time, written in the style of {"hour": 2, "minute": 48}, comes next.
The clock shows {"hour": 3, "minute": 24}
